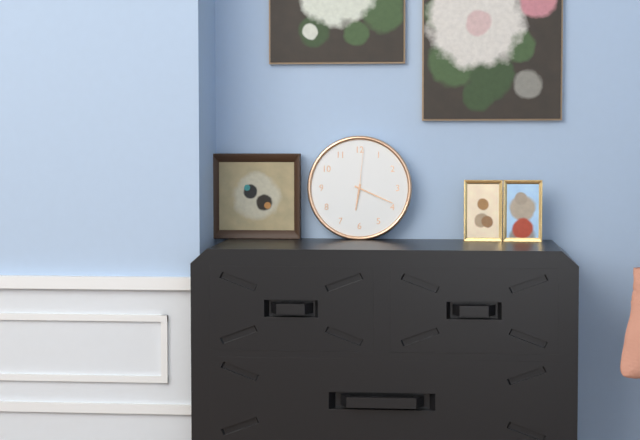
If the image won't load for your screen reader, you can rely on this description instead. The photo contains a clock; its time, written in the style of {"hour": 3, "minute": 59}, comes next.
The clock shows {"hour": 6, "minute": 19}
